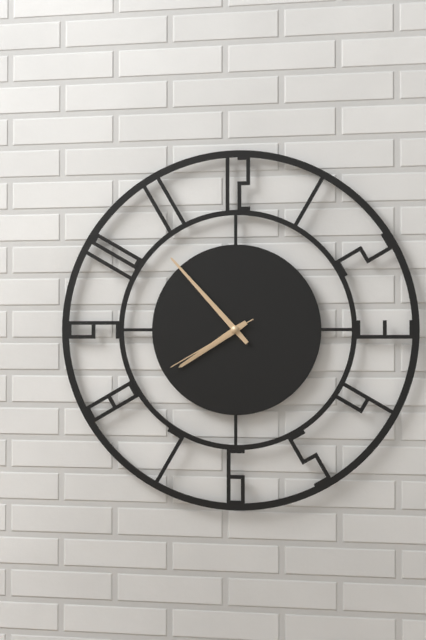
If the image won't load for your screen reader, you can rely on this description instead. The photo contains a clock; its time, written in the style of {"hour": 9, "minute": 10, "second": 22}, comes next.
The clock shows {"hour": 7, "minute": 53, "second": 40}
